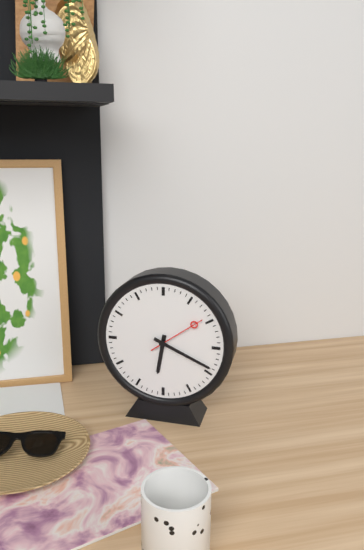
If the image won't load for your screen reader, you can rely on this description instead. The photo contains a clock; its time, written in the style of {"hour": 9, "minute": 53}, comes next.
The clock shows {"hour": 6, "minute": 19}
